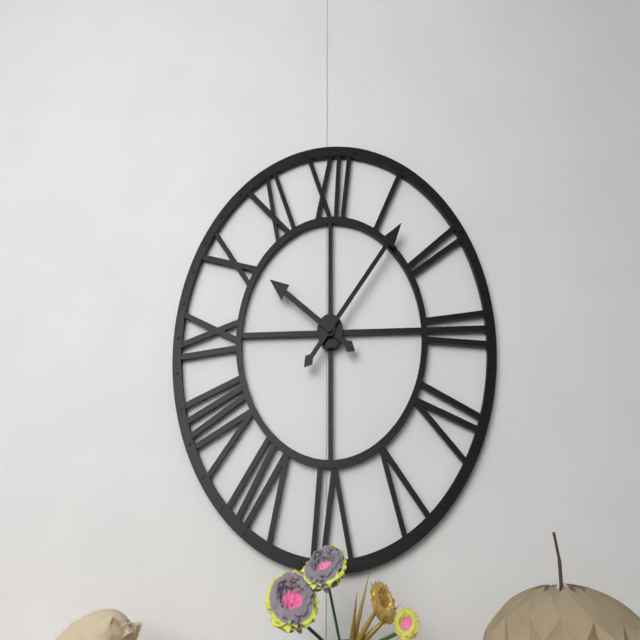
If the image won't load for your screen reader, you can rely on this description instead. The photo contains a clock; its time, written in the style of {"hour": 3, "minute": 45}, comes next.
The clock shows {"hour": 10, "minute": 7}
